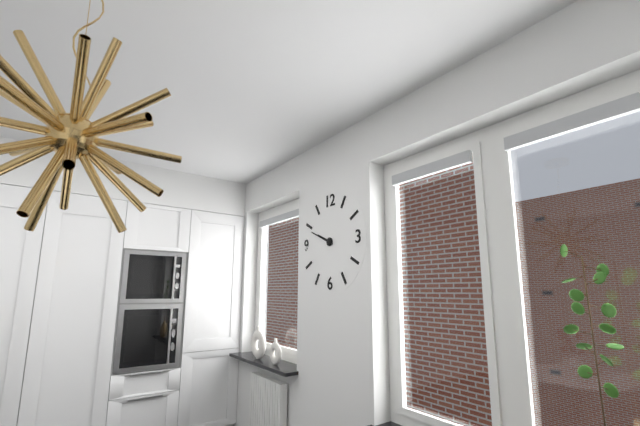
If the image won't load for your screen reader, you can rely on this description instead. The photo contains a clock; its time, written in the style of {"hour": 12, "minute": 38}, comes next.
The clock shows {"hour": 9, "minute": 49}
